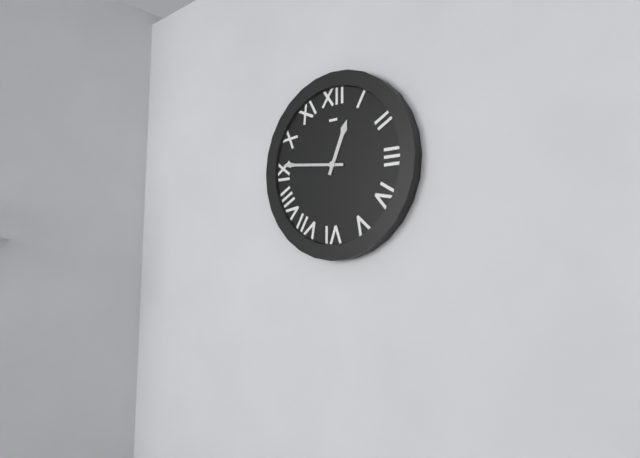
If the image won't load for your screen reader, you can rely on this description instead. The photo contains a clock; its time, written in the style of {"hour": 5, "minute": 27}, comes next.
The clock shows {"hour": 12, "minute": 46}
